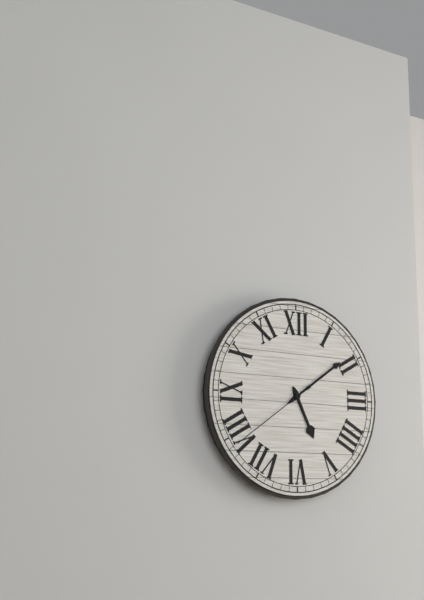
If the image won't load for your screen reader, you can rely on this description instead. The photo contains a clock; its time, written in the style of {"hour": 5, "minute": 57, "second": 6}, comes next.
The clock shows {"hour": 5, "minute": 9, "second": 39}
